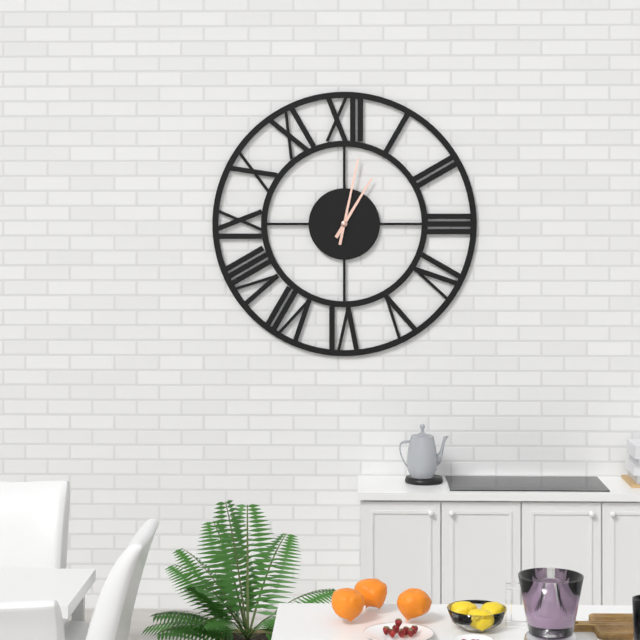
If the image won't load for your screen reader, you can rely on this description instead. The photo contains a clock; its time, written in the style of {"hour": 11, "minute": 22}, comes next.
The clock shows {"hour": 1, "minute": 2}
